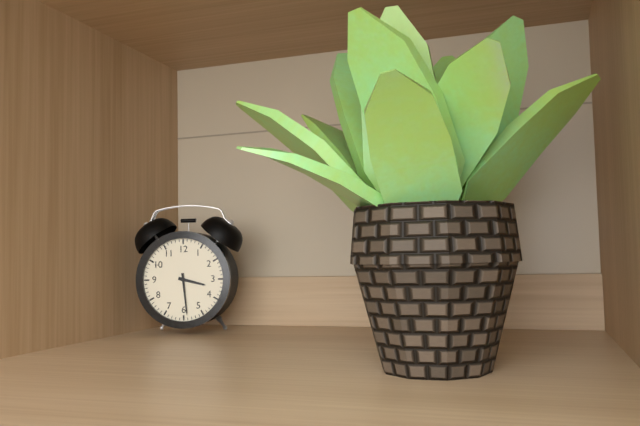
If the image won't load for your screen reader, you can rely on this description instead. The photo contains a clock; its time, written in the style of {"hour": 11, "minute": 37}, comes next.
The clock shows {"hour": 3, "minute": 29}
